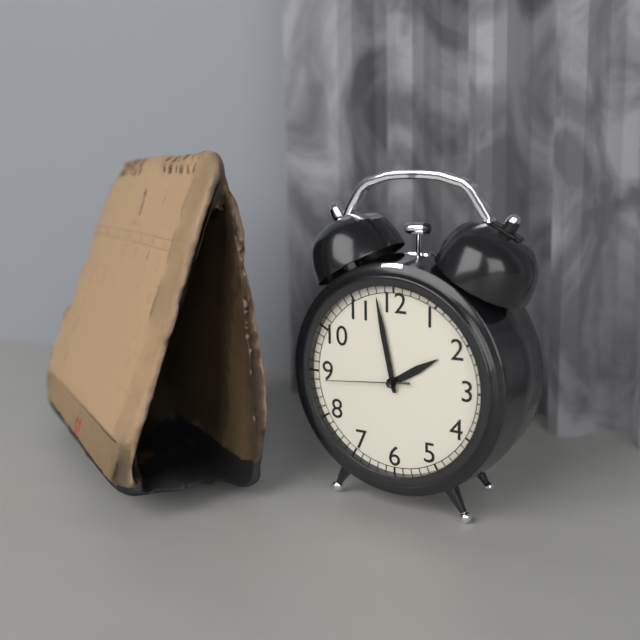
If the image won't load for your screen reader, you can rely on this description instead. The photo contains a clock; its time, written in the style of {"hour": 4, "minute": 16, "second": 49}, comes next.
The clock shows {"hour": 1, "minute": 58, "second": 44}
